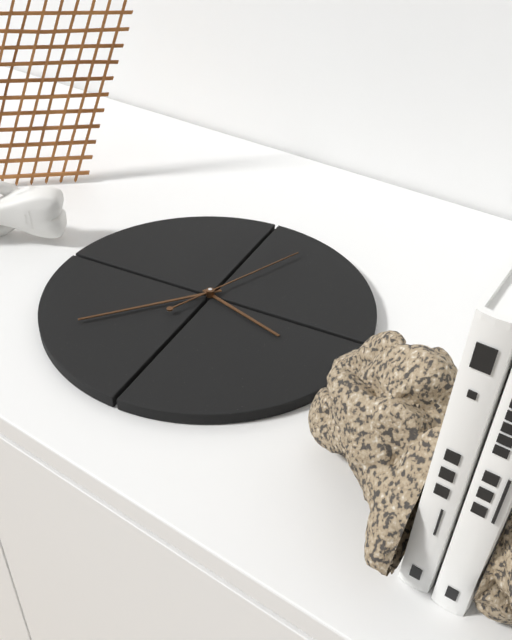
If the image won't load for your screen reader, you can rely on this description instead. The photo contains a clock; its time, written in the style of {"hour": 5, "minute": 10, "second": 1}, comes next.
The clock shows {"hour": 3, "minute": 37, "second": 4}
